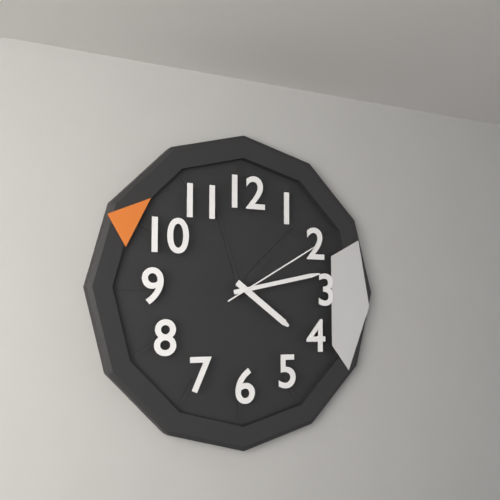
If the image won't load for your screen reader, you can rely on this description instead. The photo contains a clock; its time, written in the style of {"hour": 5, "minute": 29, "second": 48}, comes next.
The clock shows {"hour": 4, "minute": 13, "second": 10}
